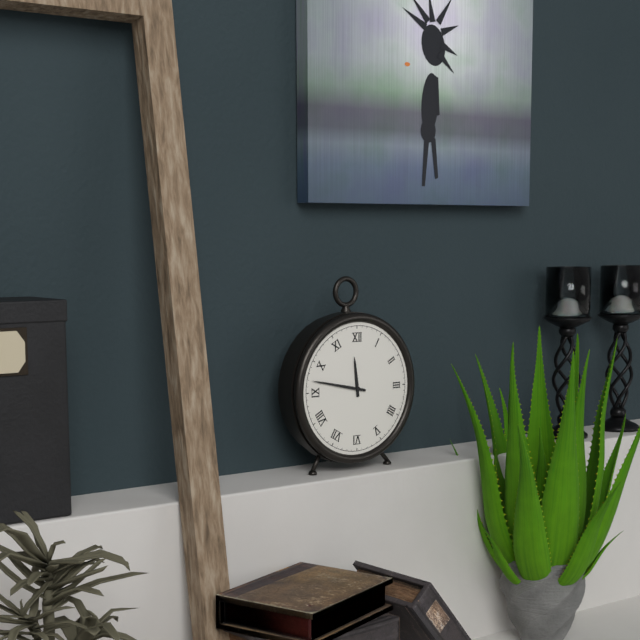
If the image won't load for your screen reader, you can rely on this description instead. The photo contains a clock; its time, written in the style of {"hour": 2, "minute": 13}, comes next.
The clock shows {"hour": 11, "minute": 47}
